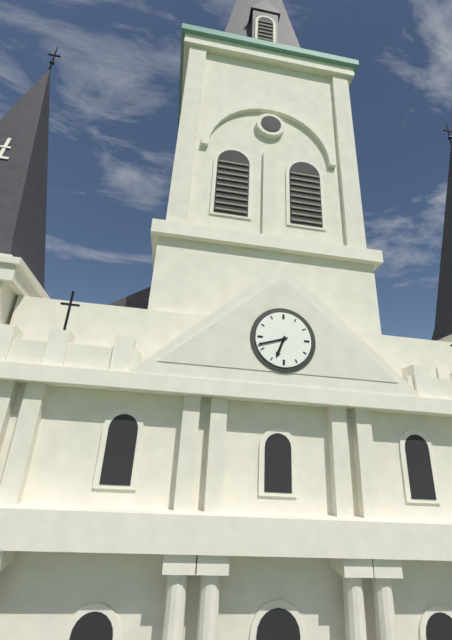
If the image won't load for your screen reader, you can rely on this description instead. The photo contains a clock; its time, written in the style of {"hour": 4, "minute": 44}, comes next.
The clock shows {"hour": 6, "minute": 42}
